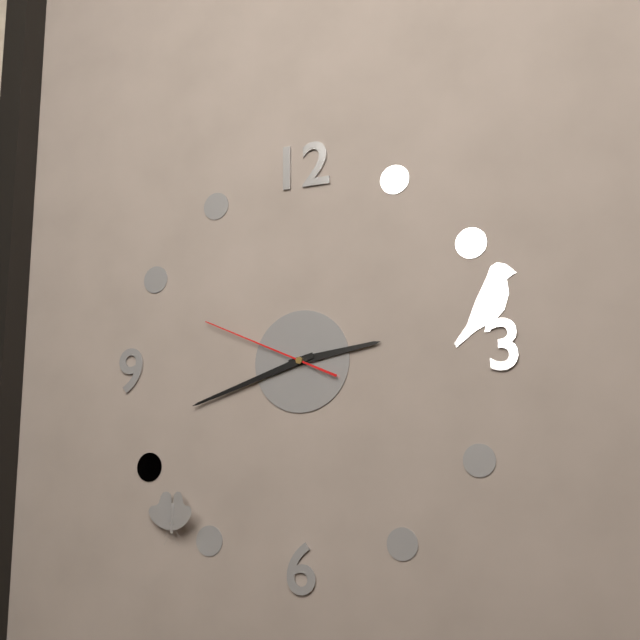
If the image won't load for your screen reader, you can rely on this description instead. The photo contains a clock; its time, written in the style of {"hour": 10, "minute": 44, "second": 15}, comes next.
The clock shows {"hour": 2, "minute": 42, "second": 49}
